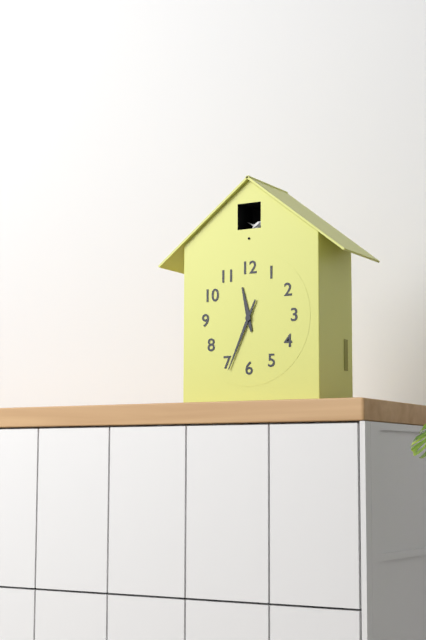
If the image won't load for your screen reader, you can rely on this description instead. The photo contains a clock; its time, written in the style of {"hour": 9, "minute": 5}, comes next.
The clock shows {"hour": 11, "minute": 34}
